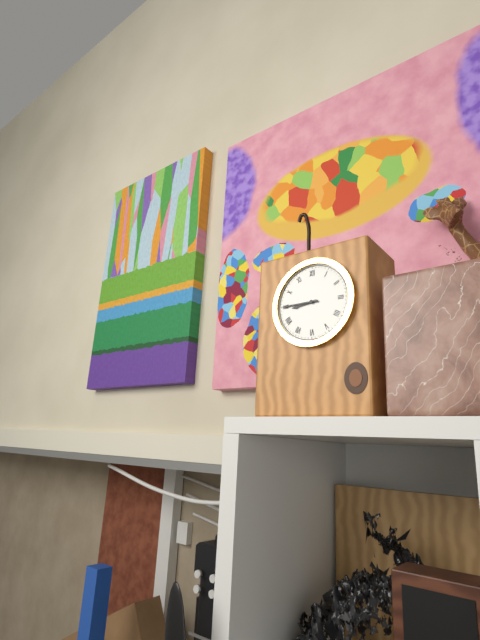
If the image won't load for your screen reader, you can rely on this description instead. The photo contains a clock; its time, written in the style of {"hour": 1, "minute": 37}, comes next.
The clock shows {"hour": 8, "minute": 45}
